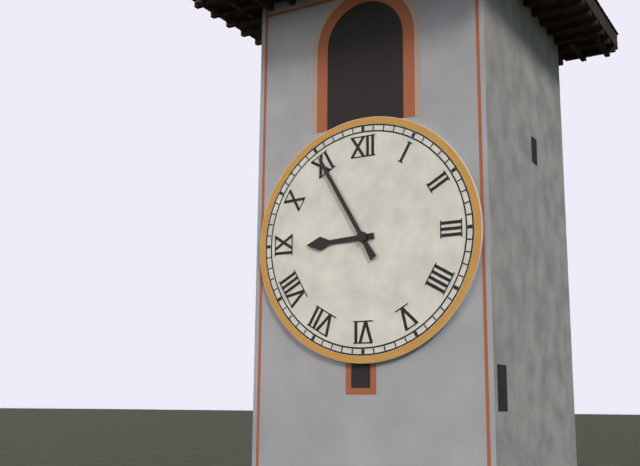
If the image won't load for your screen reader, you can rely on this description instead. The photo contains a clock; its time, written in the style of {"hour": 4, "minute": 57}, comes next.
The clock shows {"hour": 8, "minute": 55}
